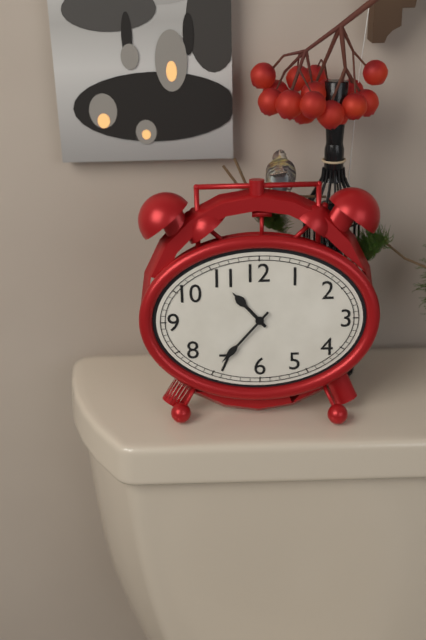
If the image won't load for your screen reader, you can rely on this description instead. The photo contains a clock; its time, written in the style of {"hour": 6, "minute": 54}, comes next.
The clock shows {"hour": 10, "minute": 37}
